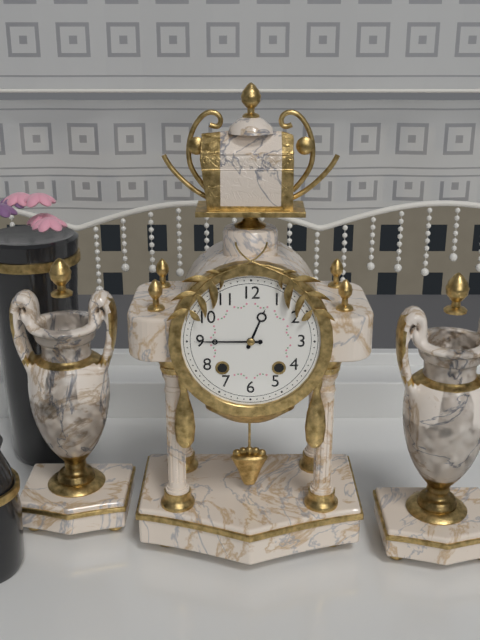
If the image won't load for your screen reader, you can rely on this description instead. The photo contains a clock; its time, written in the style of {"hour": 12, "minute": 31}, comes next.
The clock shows {"hour": 12, "minute": 45}
